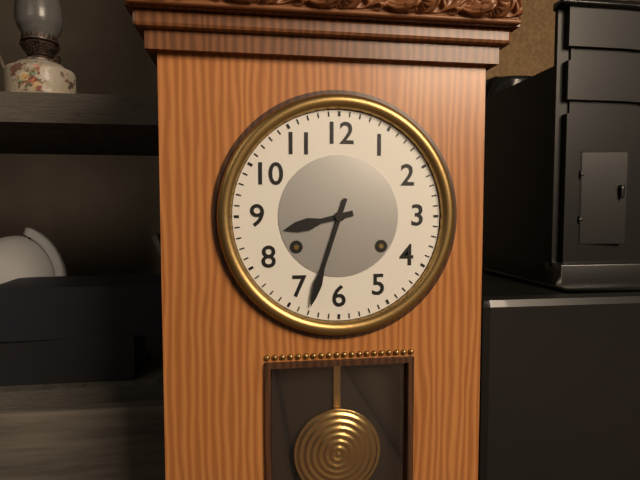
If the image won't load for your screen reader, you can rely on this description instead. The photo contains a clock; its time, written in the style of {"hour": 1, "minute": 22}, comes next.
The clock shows {"hour": 8, "minute": 33}
